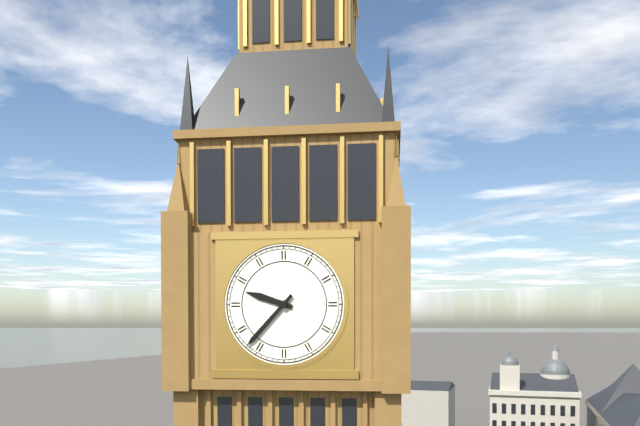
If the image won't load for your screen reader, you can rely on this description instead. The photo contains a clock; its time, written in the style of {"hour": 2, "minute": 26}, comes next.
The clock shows {"hour": 9, "minute": 37}
